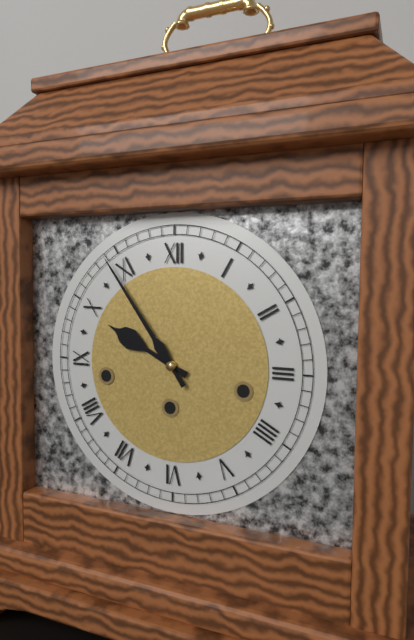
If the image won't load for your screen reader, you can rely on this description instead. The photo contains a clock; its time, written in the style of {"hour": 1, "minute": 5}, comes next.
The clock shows {"hour": 9, "minute": 54}
